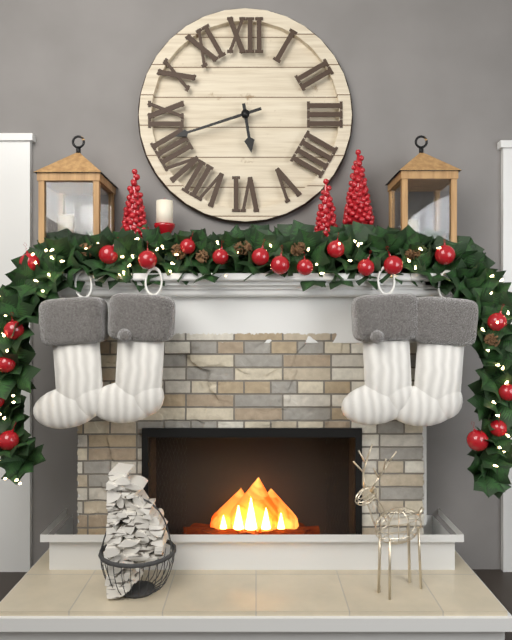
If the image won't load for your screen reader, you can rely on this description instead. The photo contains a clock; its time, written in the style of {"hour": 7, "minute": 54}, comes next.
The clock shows {"hour": 5, "minute": 42}
